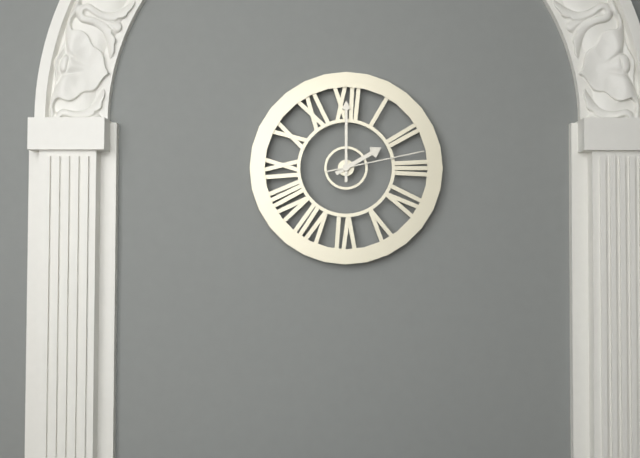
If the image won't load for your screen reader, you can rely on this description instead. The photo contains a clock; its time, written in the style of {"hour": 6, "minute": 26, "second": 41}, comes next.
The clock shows {"hour": 2, "minute": 0, "second": 13}
